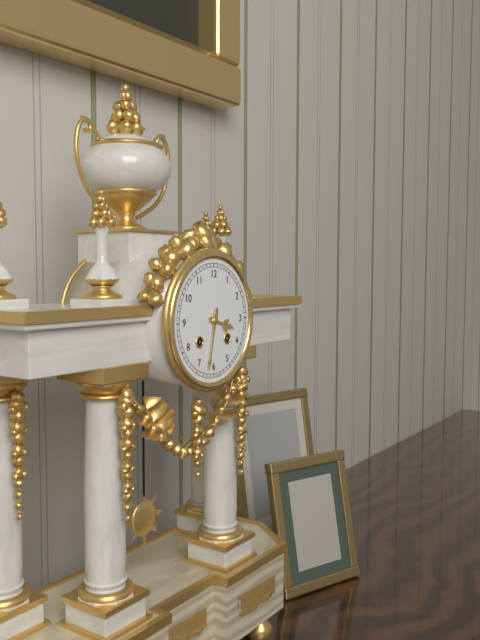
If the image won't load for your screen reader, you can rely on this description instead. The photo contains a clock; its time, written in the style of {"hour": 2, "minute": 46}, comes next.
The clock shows {"hour": 3, "minute": 32}
